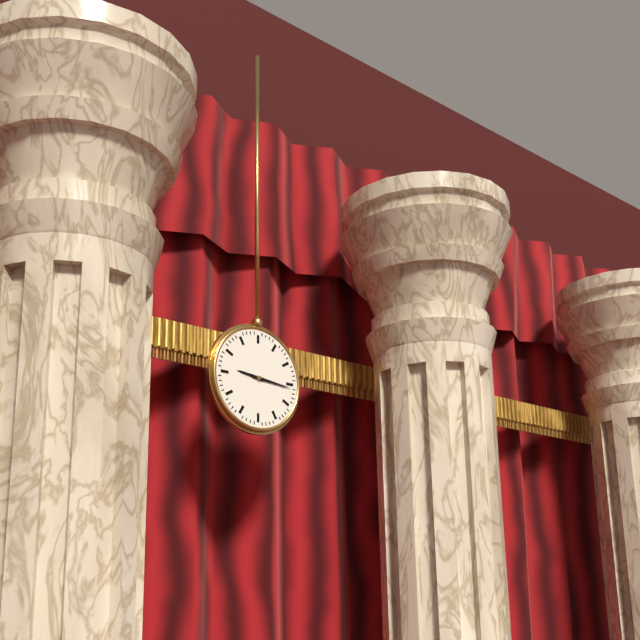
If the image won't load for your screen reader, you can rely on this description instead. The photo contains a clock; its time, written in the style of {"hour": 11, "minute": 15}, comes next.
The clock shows {"hour": 9, "minute": 16}
